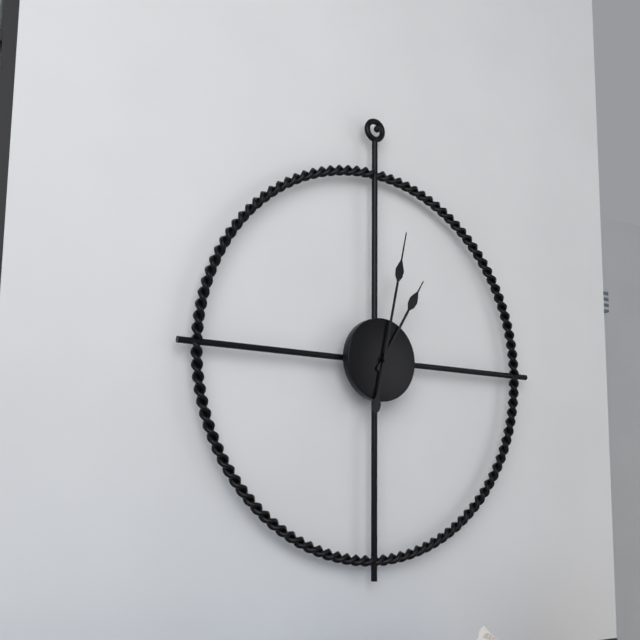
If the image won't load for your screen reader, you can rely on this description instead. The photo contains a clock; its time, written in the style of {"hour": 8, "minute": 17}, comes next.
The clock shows {"hour": 1, "minute": 2}
